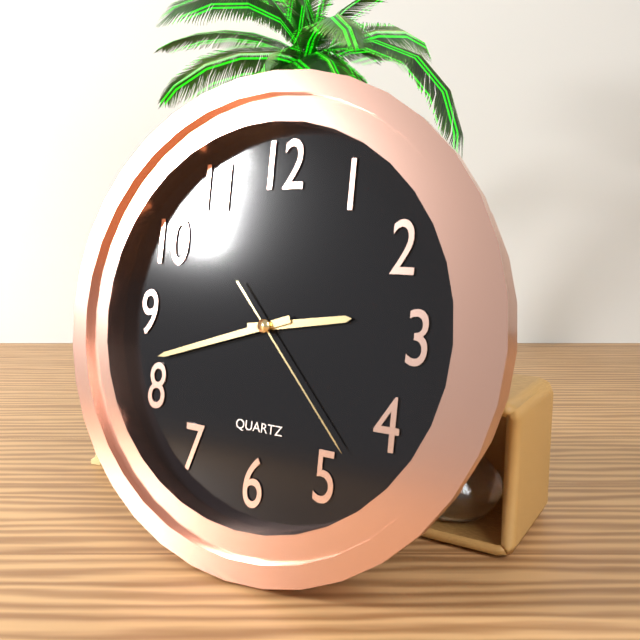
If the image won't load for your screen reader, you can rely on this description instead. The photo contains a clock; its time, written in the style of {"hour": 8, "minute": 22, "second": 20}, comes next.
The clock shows {"hour": 2, "minute": 42, "second": 23}
